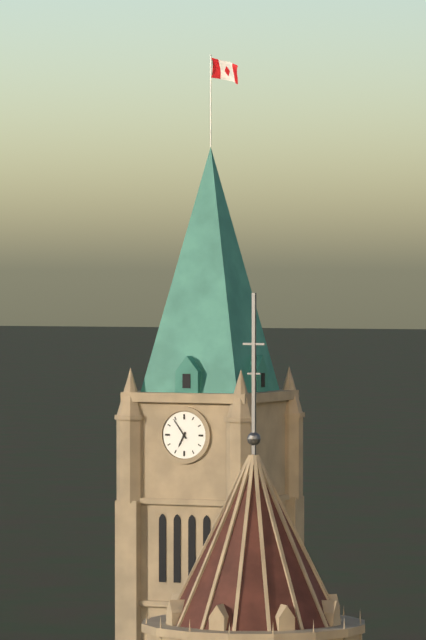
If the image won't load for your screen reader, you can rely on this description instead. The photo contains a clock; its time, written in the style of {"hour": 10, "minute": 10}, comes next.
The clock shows {"hour": 6, "minute": 54}
